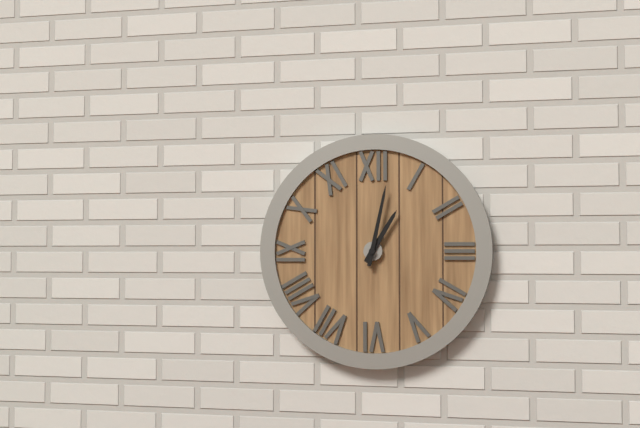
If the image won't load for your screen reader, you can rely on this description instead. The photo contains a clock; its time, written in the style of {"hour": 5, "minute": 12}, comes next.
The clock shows {"hour": 1, "minute": 2}
